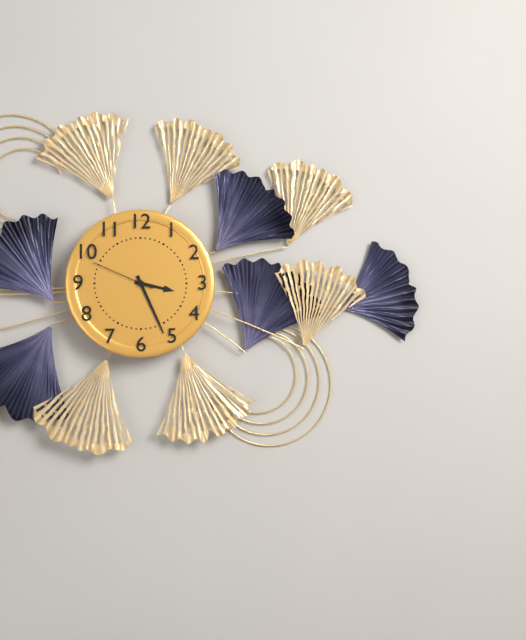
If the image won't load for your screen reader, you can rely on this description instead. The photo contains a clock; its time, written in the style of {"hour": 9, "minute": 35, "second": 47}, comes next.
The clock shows {"hour": 3, "minute": 26, "second": 49}
